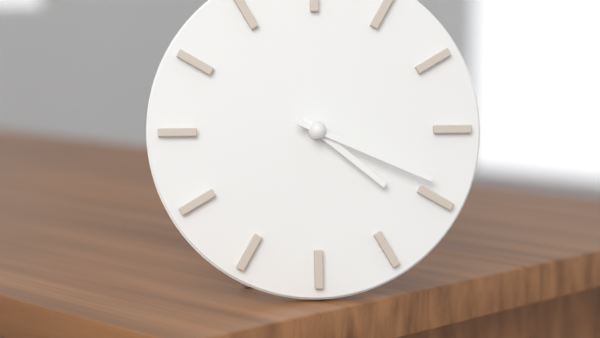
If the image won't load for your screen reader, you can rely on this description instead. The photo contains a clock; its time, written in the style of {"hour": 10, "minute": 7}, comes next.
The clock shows {"hour": 4, "minute": 19}
